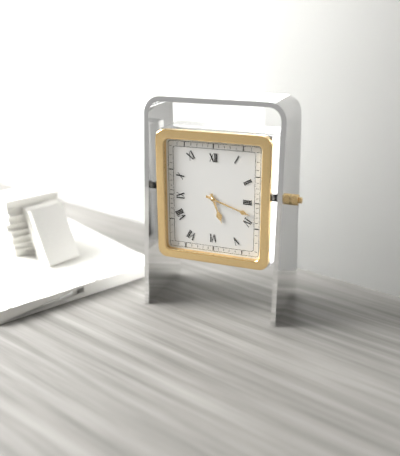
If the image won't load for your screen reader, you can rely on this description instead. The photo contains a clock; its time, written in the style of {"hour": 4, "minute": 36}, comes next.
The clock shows {"hour": 5, "minute": 18}
